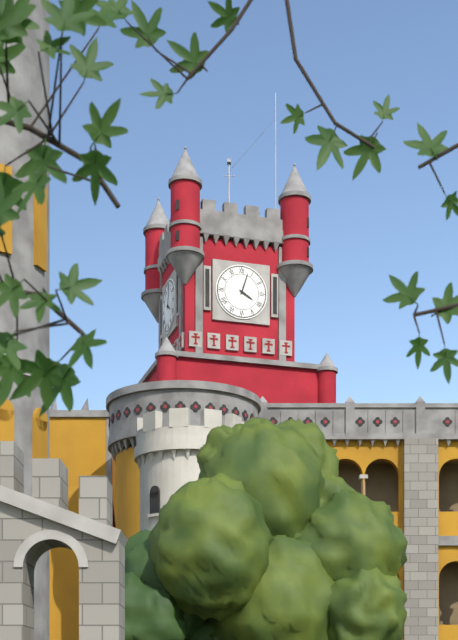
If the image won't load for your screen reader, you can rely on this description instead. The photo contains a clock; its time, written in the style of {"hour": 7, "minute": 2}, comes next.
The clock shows {"hour": 4, "minute": 3}
